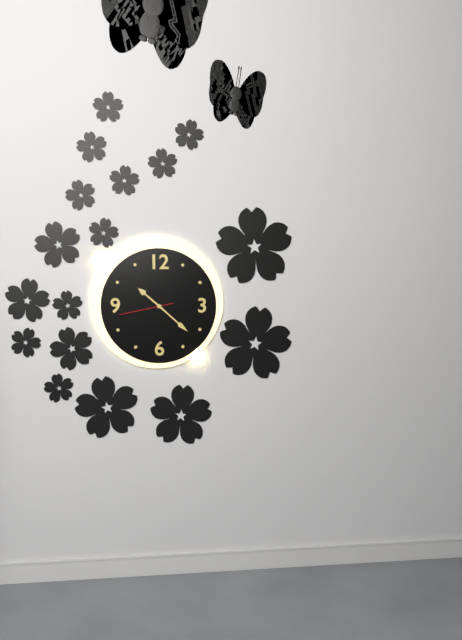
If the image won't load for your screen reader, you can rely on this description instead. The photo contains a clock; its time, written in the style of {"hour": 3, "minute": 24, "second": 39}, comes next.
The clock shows {"hour": 10, "minute": 22, "second": 43}
